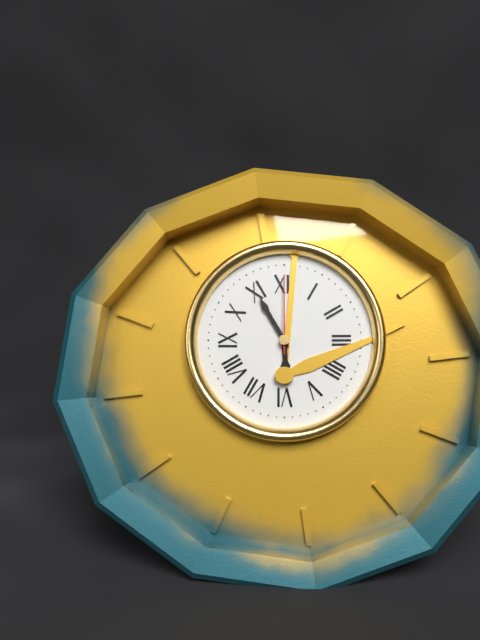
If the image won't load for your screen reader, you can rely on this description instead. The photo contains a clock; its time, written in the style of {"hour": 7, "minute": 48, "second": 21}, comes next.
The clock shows {"hour": 5, "minute": 55, "second": 0}
